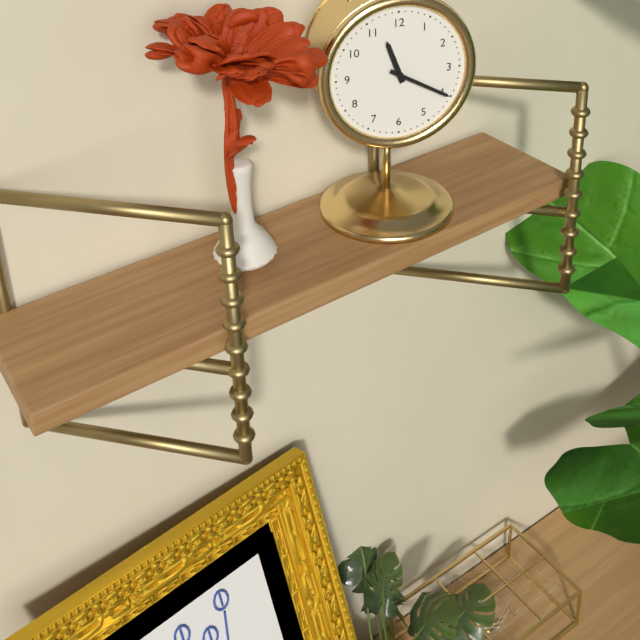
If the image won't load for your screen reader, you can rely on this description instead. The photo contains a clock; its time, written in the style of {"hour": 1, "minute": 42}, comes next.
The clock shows {"hour": 11, "minute": 20}
